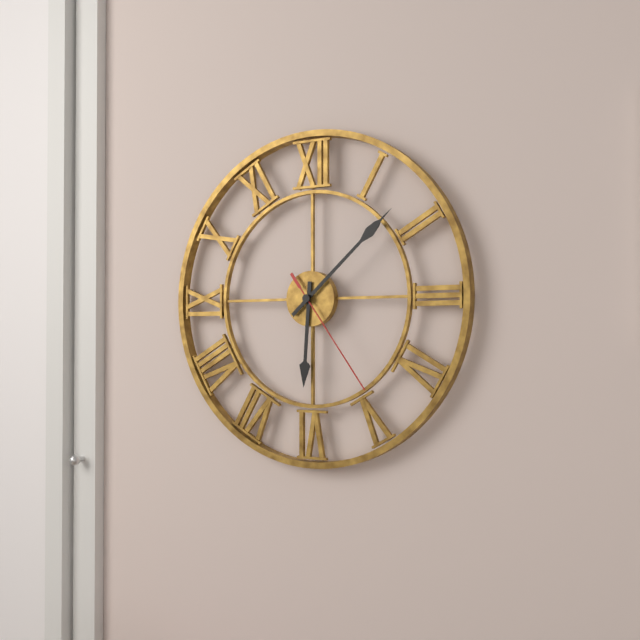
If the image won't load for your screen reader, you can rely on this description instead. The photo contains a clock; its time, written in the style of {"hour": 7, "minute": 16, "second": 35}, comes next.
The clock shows {"hour": 6, "minute": 8, "second": 24}
